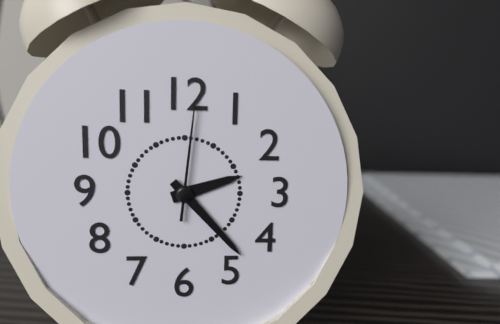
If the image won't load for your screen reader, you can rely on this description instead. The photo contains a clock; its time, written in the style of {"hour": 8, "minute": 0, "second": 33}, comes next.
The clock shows {"hour": 2, "minute": 23, "second": 1}
